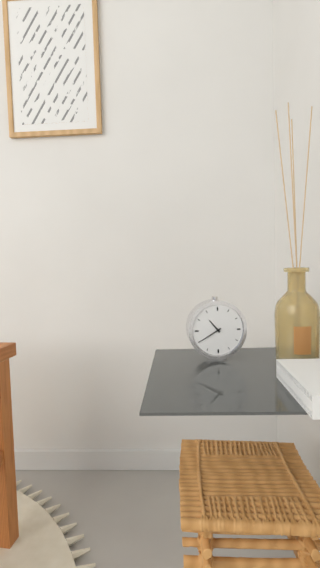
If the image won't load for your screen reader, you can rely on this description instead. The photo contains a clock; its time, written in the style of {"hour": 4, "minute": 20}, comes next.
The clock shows {"hour": 10, "minute": 40}
